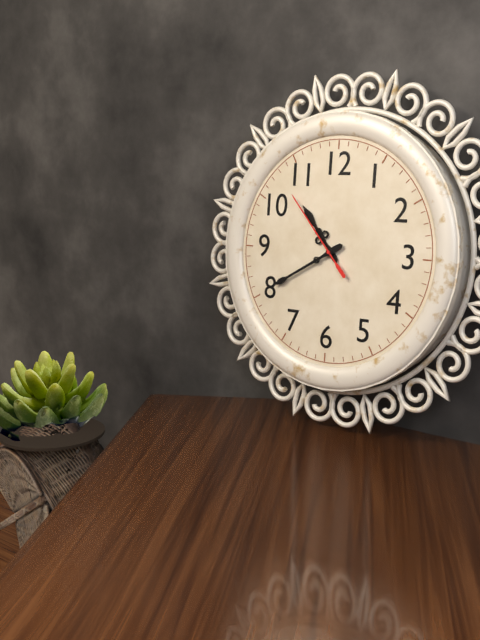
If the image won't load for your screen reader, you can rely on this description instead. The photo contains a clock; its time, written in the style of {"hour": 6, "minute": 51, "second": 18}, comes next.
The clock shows {"hour": 10, "minute": 40, "second": 53}
